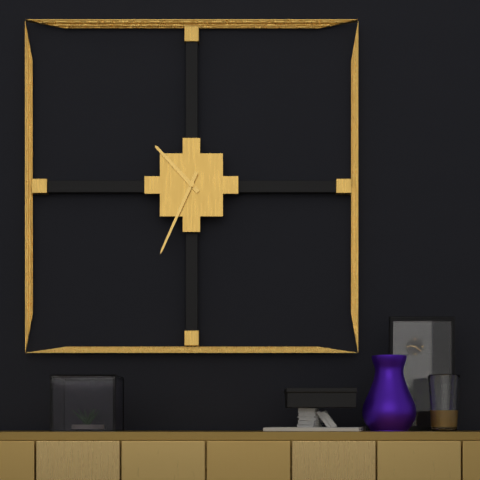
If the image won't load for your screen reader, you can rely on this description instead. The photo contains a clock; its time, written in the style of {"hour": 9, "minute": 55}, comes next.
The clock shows {"hour": 10, "minute": 34}
